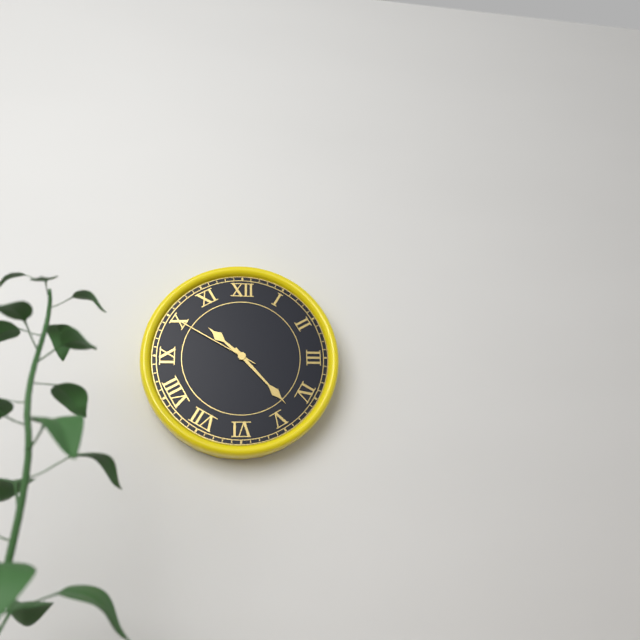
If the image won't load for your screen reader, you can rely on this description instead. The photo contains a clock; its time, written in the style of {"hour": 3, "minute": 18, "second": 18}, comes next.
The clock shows {"hour": 10, "minute": 23, "second": 50}
